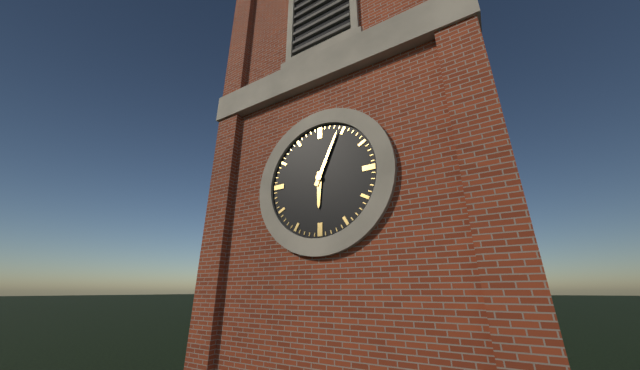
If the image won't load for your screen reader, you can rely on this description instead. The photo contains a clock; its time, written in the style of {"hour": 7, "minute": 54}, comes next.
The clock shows {"hour": 6, "minute": 4}
